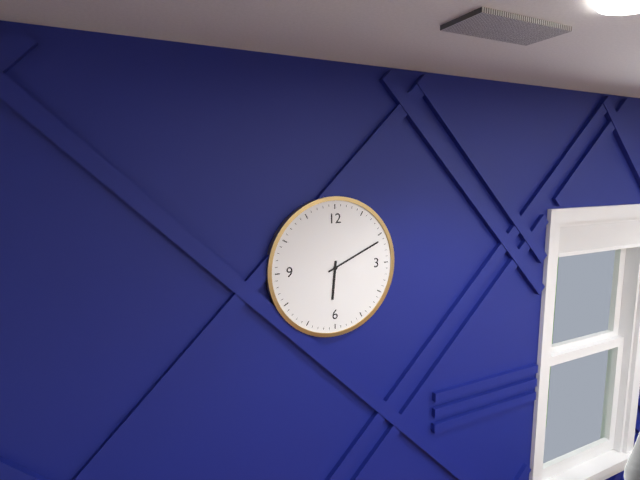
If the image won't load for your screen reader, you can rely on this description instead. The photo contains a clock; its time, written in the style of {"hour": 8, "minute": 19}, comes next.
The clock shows {"hour": 6, "minute": 11}
